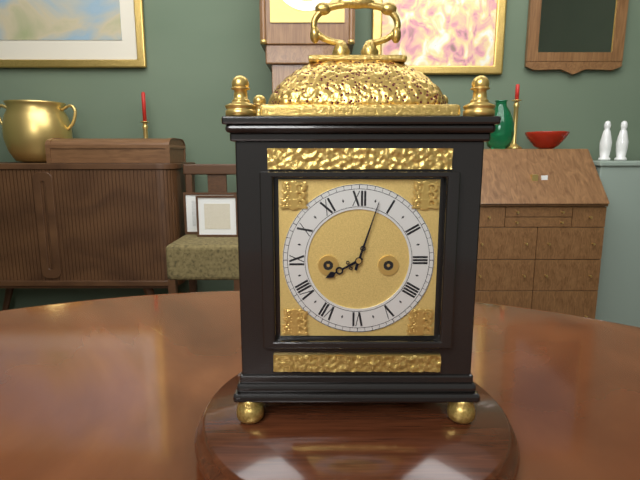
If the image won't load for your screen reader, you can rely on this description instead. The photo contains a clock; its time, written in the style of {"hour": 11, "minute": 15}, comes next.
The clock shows {"hour": 8, "minute": 3}
